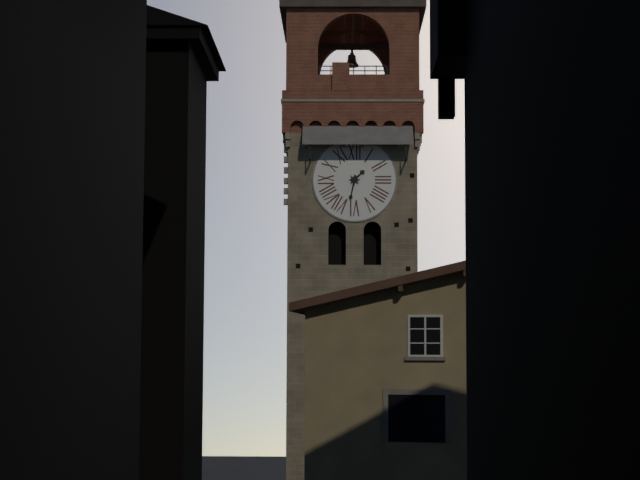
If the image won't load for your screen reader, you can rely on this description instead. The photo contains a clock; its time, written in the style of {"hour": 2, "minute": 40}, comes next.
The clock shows {"hour": 1, "minute": 32}
